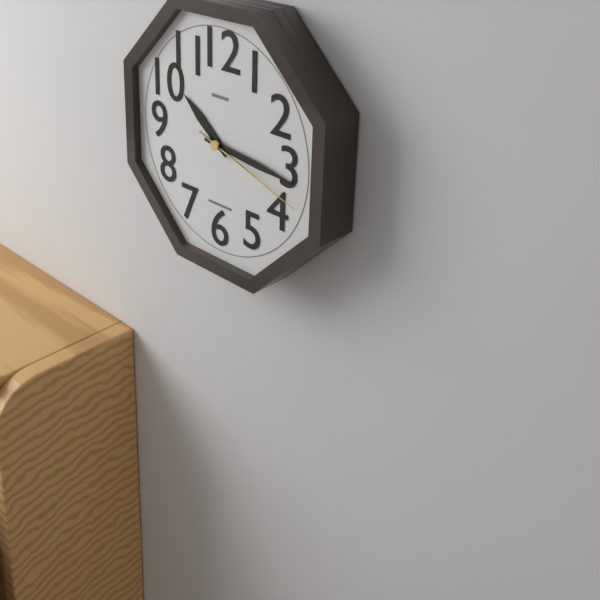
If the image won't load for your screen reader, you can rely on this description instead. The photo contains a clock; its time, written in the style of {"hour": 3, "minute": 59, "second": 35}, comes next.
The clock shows {"hour": 10, "minute": 16, "second": 18}
